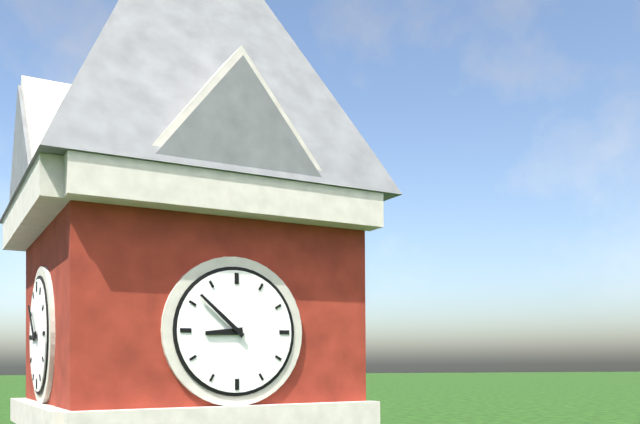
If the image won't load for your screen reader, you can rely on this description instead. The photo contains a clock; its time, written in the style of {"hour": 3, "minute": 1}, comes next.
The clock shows {"hour": 8, "minute": 52}
